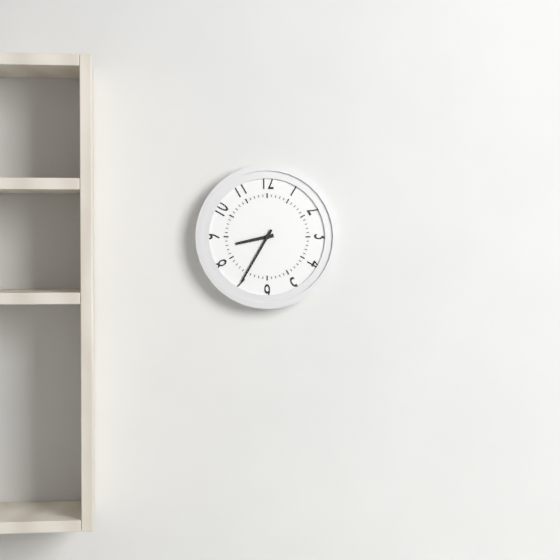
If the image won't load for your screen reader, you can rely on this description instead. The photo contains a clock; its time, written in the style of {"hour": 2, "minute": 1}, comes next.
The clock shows {"hour": 8, "minute": 35}
